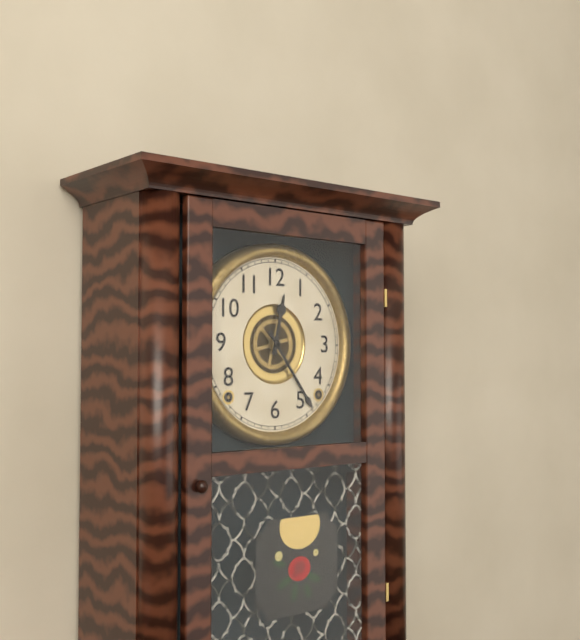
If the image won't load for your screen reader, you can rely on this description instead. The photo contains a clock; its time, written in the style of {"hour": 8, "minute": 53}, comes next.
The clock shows {"hour": 12, "minute": 24}
